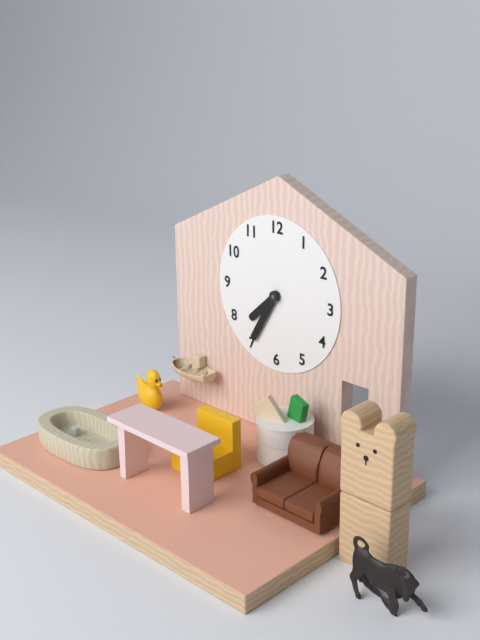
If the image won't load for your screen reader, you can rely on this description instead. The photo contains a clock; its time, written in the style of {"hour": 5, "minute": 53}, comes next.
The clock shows {"hour": 7, "minute": 35}
